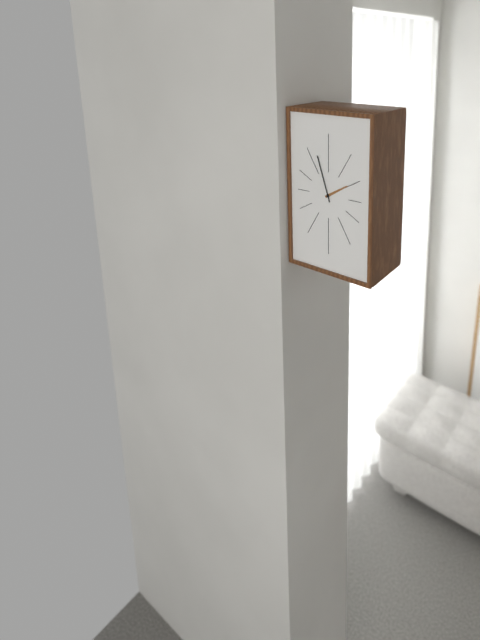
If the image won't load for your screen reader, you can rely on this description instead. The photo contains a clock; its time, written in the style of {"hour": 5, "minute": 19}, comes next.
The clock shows {"hour": 1, "minute": 57}
